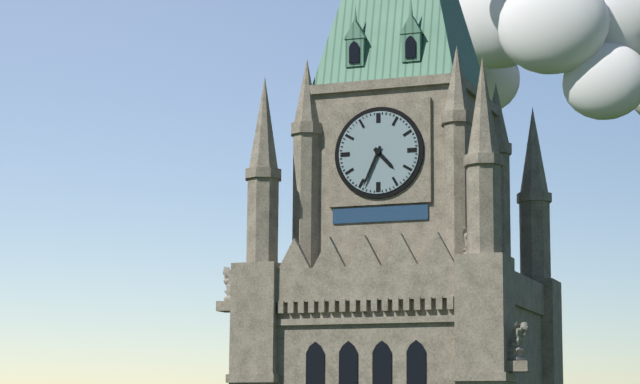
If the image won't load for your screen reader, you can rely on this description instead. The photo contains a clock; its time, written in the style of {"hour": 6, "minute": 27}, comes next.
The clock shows {"hour": 4, "minute": 34}
